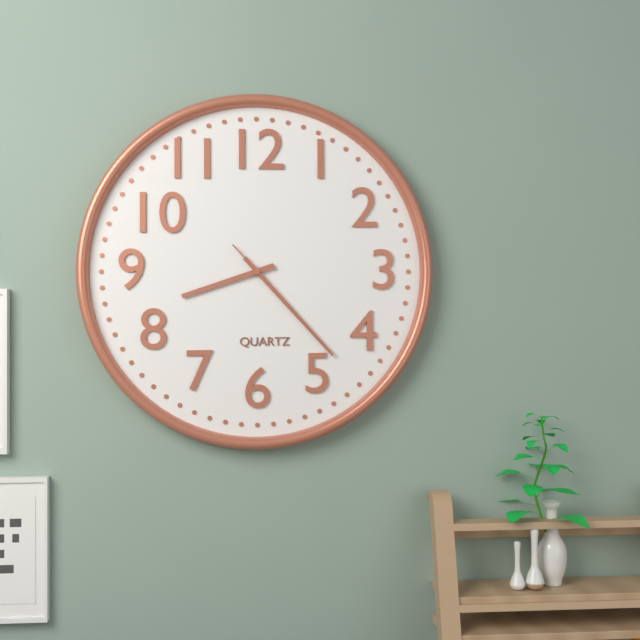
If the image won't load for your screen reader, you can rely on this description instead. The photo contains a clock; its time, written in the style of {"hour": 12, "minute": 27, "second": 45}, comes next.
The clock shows {"hour": 8, "minute": 23, "second": 23}
